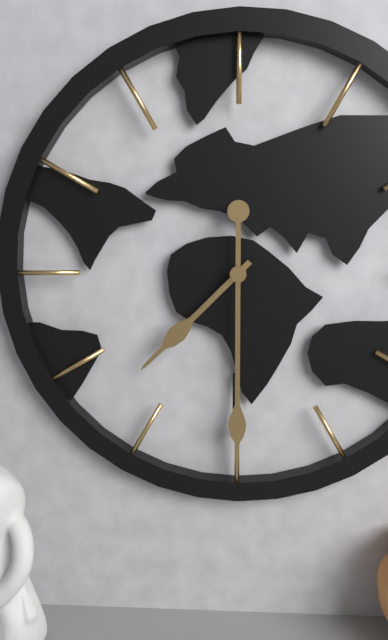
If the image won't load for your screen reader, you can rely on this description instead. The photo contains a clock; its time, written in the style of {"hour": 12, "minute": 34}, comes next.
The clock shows {"hour": 7, "minute": 30}
